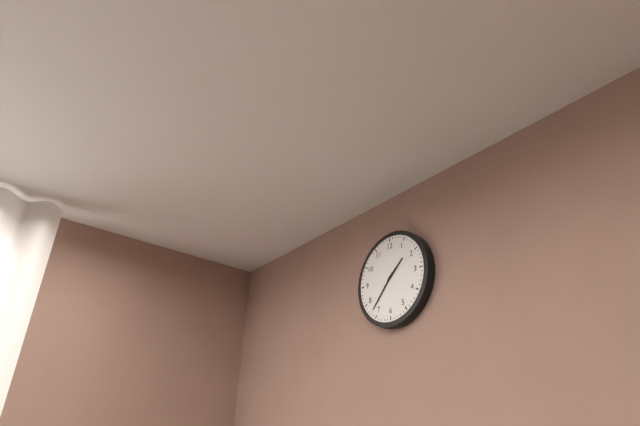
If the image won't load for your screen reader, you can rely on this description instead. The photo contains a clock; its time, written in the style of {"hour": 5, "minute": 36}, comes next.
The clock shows {"hour": 1, "minute": 37}
